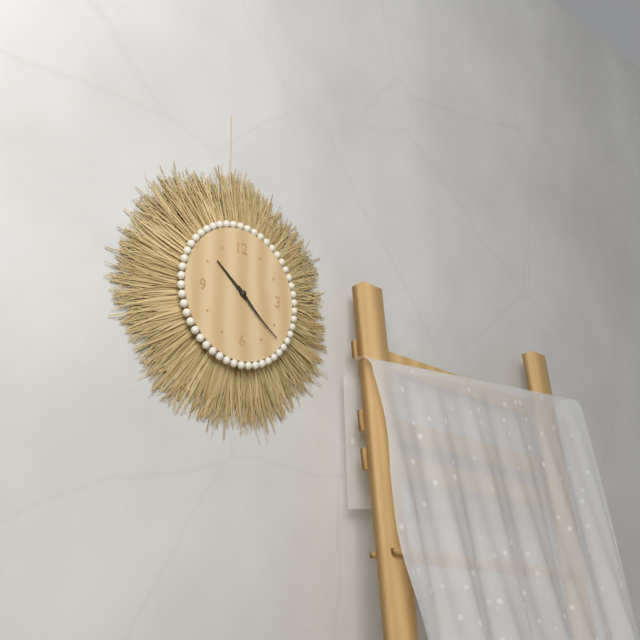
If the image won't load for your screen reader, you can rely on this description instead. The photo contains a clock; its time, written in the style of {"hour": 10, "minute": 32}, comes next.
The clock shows {"hour": 10, "minute": 22}
